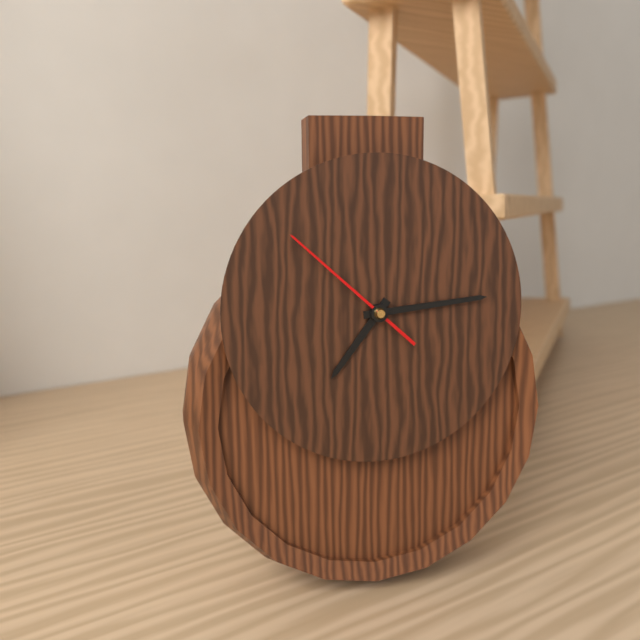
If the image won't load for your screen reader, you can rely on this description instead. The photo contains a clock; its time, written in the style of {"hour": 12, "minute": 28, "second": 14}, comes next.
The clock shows {"hour": 7, "minute": 14, "second": 52}
